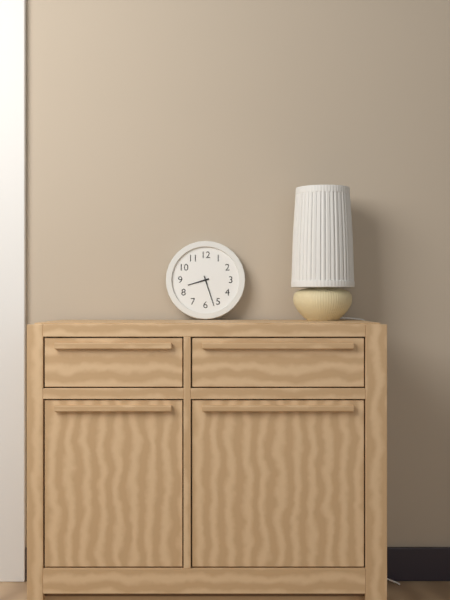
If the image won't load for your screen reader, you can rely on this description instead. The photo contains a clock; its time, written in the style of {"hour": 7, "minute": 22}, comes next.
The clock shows {"hour": 8, "minute": 27}
